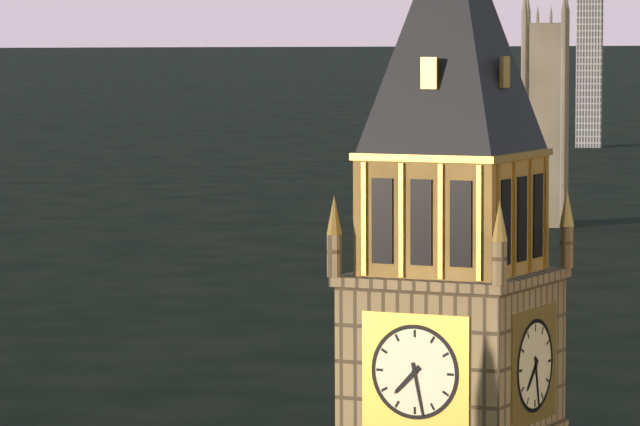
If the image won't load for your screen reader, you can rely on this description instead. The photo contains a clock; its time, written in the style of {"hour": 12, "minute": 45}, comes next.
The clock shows {"hour": 7, "minute": 28}
